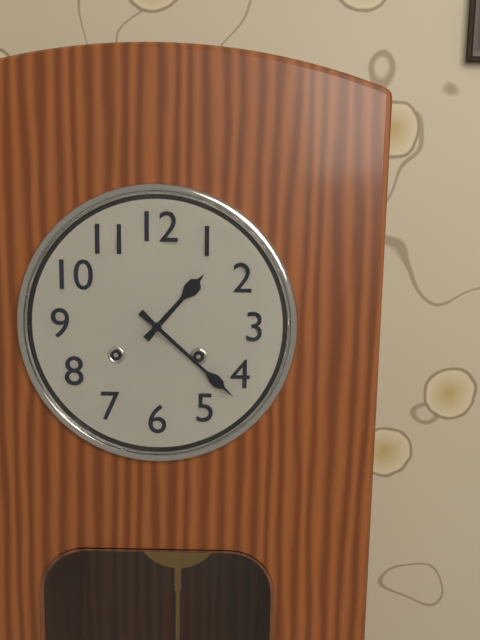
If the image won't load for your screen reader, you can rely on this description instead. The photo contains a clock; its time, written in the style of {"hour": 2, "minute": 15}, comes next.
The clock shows {"hour": 1, "minute": 22}
